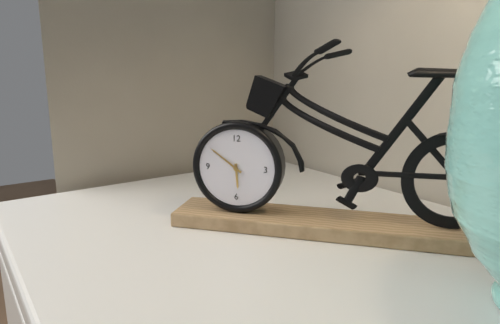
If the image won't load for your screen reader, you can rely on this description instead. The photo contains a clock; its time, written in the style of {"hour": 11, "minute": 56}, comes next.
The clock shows {"hour": 5, "minute": 51}
